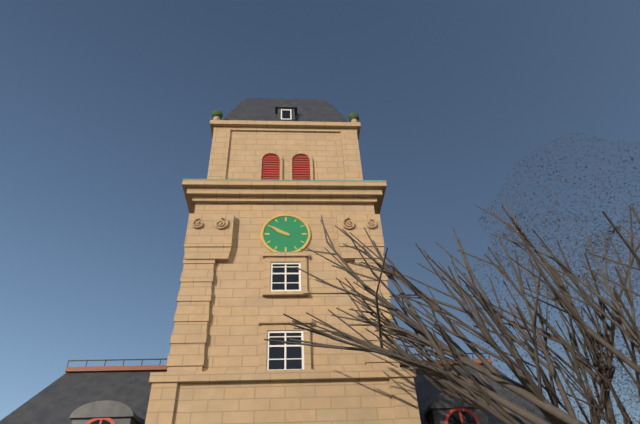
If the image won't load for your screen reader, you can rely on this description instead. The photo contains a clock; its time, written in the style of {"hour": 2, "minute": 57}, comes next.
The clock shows {"hour": 9, "minute": 50}
